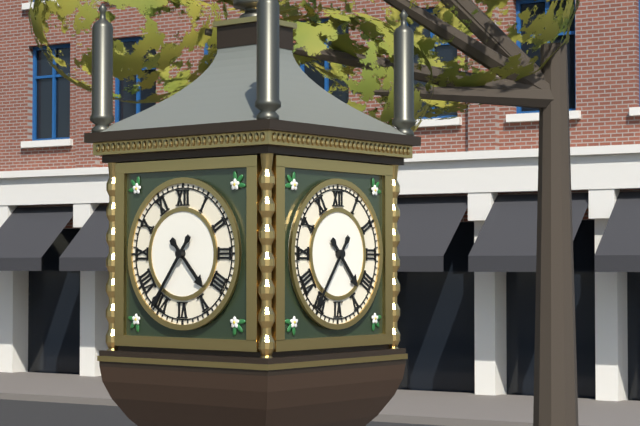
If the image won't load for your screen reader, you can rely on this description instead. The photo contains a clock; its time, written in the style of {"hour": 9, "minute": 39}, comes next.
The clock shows {"hour": 4, "minute": 36}
